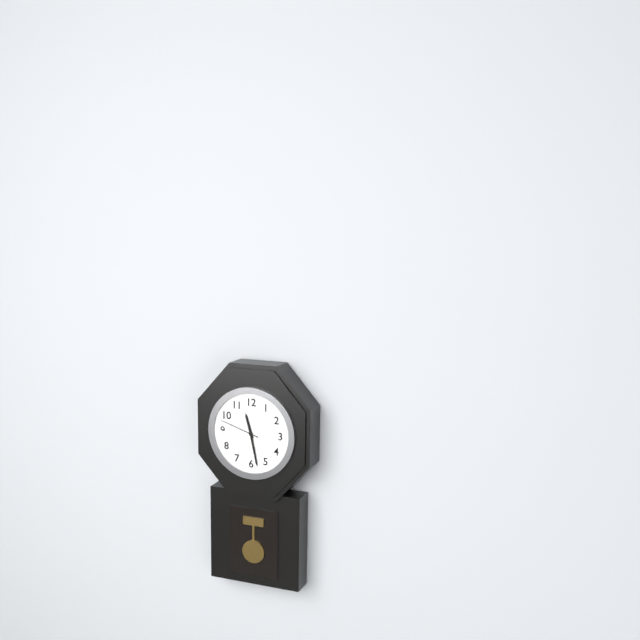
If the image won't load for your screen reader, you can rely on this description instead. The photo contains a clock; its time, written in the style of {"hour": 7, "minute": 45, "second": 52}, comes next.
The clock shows {"hour": 11, "minute": 28, "second": 48}
